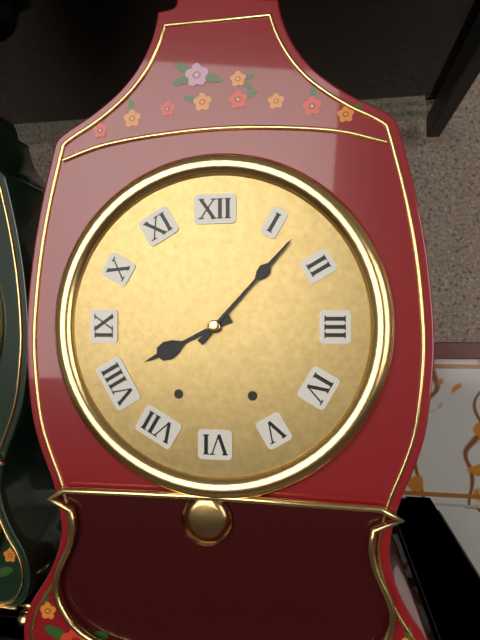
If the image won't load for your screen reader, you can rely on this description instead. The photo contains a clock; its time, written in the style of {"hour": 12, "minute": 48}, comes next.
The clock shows {"hour": 8, "minute": 7}
